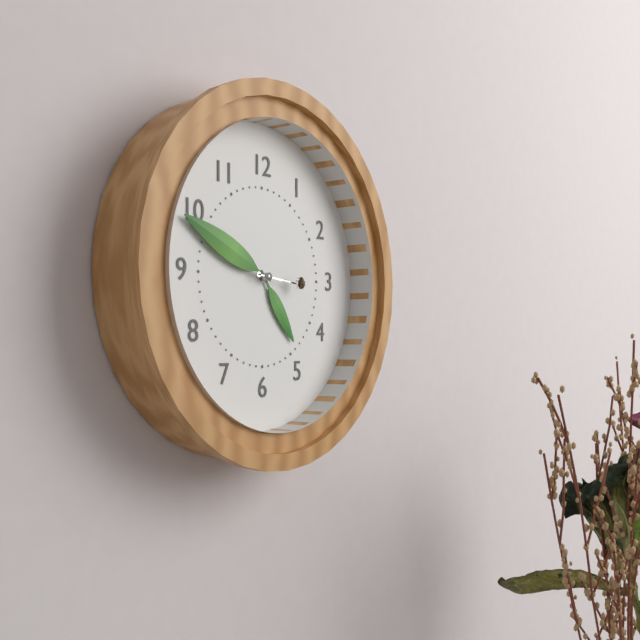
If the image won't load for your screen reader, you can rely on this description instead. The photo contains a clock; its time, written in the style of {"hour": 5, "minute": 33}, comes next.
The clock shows {"hour": 4, "minute": 49}
